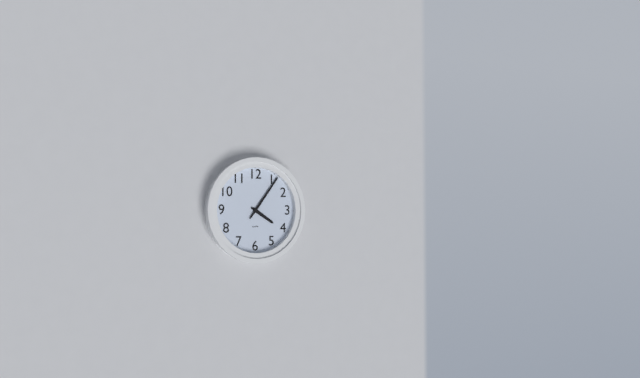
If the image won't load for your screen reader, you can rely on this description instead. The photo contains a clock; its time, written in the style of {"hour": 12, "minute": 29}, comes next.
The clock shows {"hour": 4, "minute": 6}
